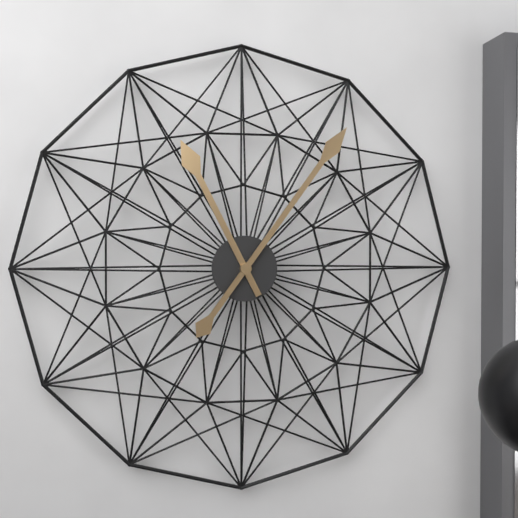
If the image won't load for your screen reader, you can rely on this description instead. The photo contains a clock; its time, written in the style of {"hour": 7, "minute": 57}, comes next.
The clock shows {"hour": 11, "minute": 6}
